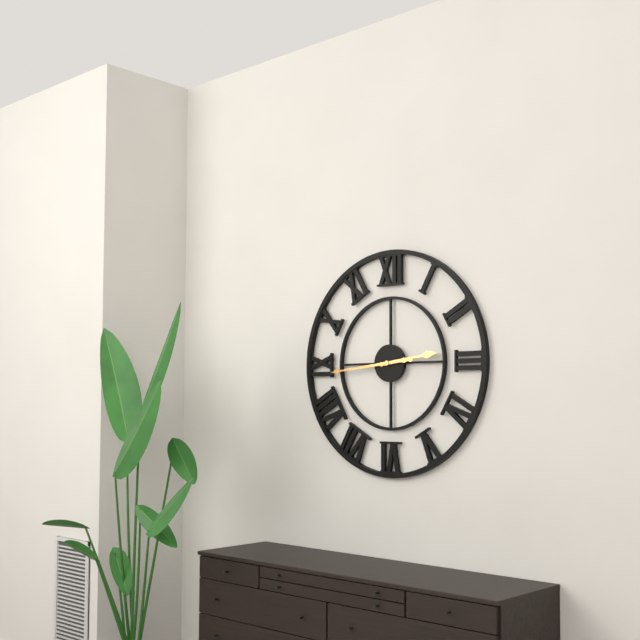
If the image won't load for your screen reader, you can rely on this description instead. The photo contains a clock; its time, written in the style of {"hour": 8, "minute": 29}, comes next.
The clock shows {"hour": 2, "minute": 44}
